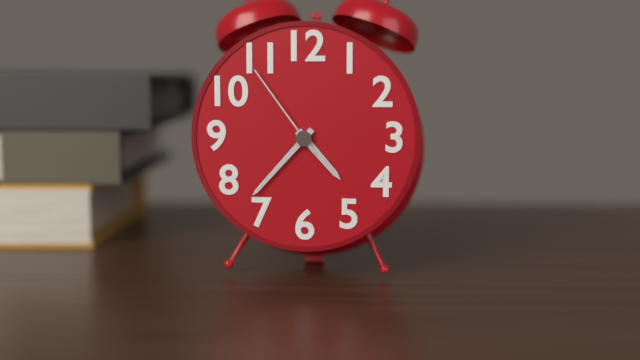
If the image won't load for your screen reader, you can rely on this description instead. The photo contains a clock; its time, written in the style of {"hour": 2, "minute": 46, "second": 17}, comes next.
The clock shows {"hour": 4, "minute": 37, "second": 54}
